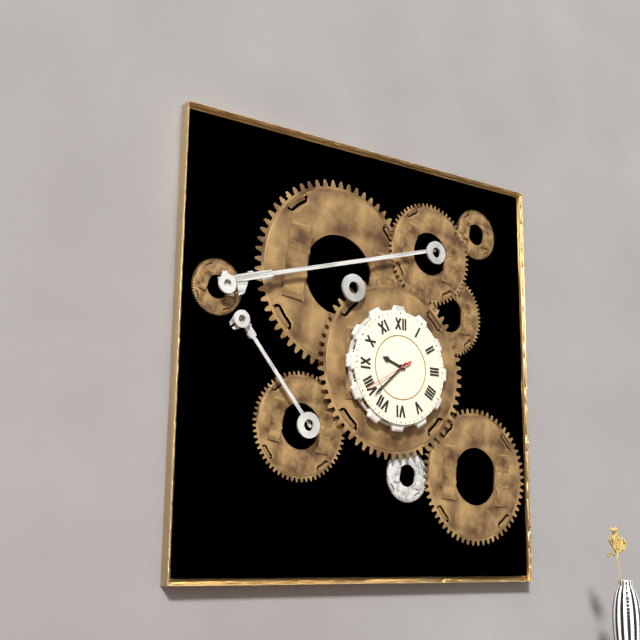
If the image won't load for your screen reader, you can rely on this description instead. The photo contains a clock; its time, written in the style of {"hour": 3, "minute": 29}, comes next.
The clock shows {"hour": 9, "minute": 38}
